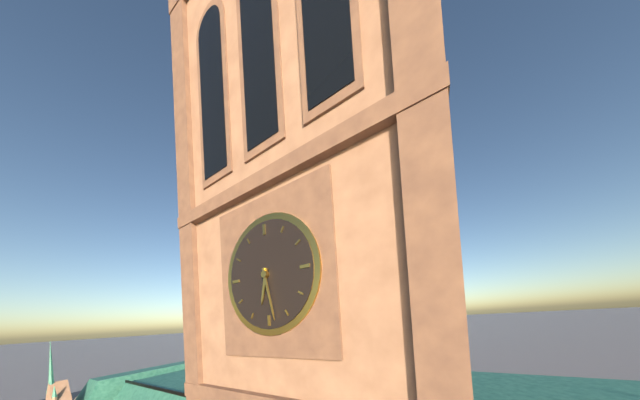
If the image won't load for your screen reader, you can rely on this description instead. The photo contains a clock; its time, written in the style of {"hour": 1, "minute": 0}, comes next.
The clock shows {"hour": 6, "minute": 28}
